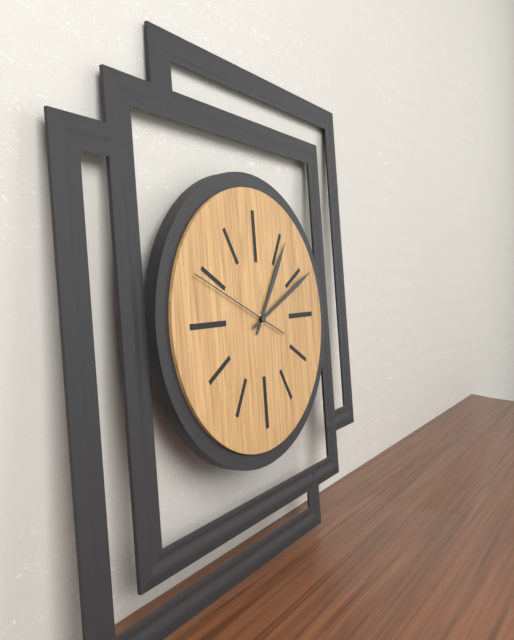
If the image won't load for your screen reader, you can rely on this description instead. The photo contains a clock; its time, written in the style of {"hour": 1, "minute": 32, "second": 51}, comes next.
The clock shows {"hour": 1, "minute": 11, "second": 49}
